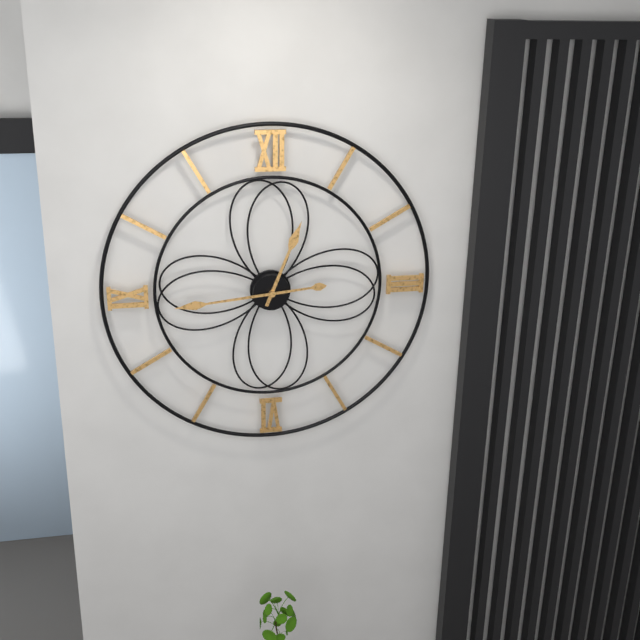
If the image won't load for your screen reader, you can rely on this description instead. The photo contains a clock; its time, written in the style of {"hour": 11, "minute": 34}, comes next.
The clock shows {"hour": 12, "minute": 44}
